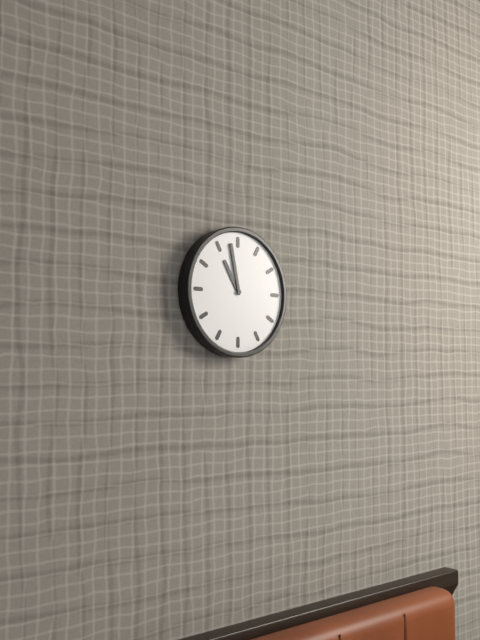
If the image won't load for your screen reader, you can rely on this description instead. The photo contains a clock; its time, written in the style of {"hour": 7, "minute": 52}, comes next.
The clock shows {"hour": 10, "minute": 58}
